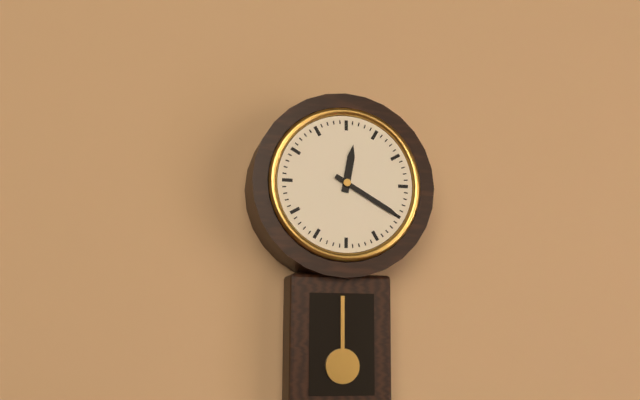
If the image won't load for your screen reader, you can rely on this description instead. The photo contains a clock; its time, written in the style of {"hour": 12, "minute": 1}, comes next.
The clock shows {"hour": 12, "minute": 20}
